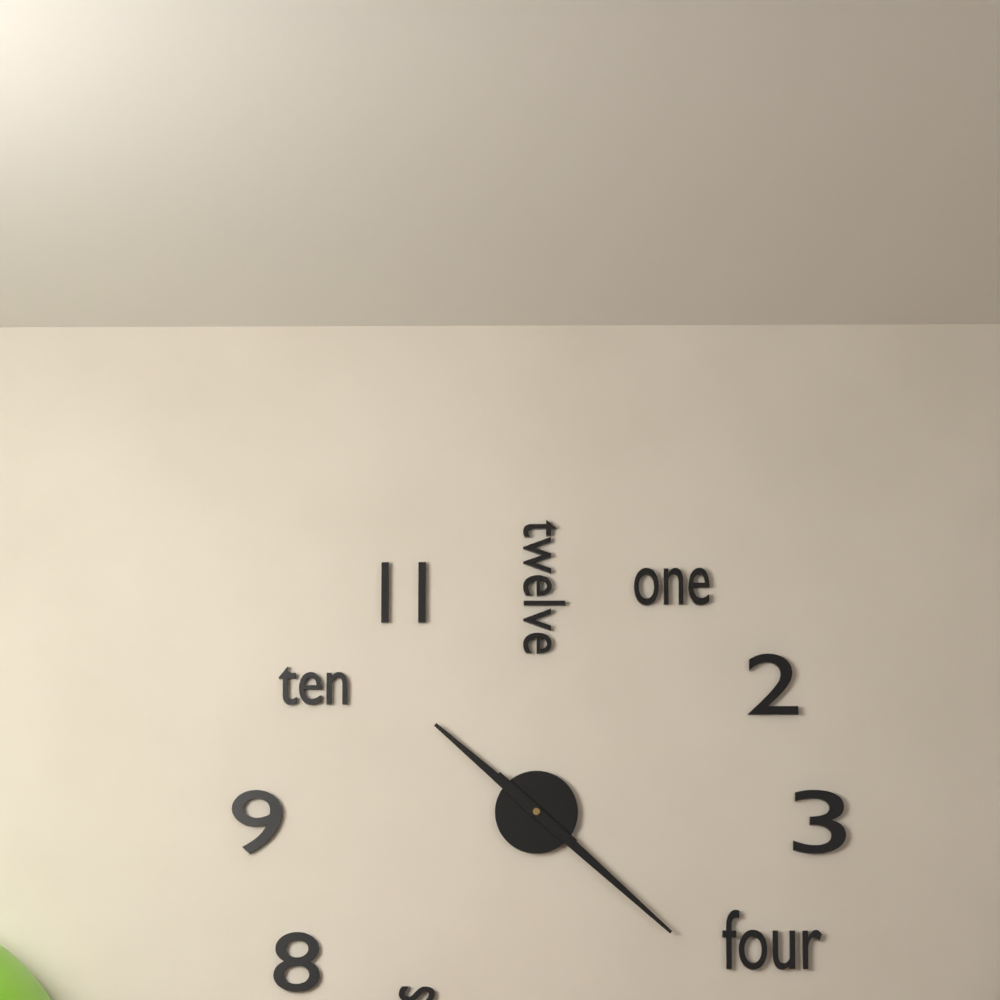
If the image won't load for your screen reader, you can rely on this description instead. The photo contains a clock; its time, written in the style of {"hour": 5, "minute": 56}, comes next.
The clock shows {"hour": 10, "minute": 22}
